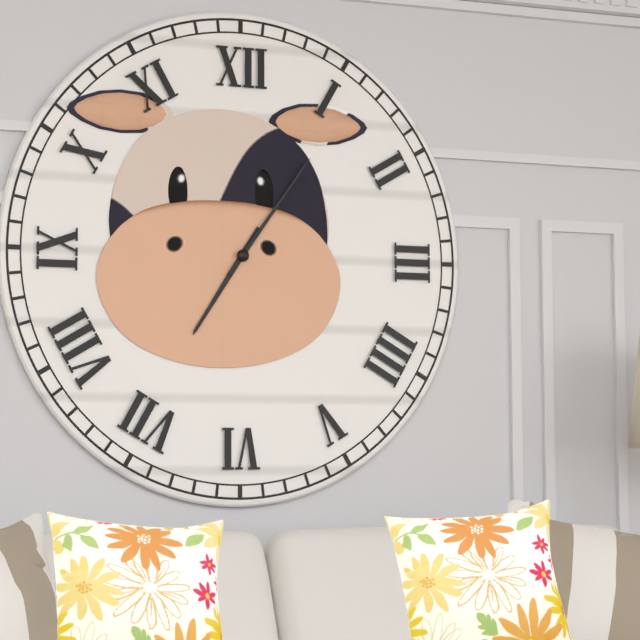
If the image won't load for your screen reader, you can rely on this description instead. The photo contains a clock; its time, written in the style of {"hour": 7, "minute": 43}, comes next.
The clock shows {"hour": 7, "minute": 6}
